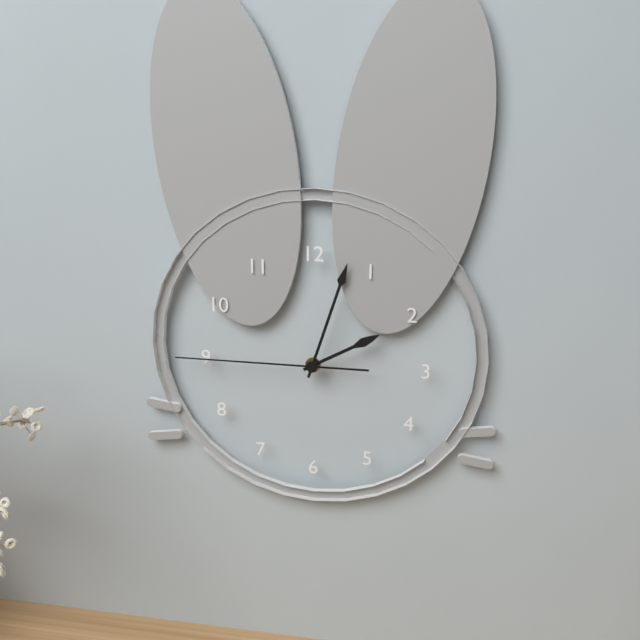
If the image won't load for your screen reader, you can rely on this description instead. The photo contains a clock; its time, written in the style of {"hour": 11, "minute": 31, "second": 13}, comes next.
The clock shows {"hour": 2, "minute": 3, "second": 45}
